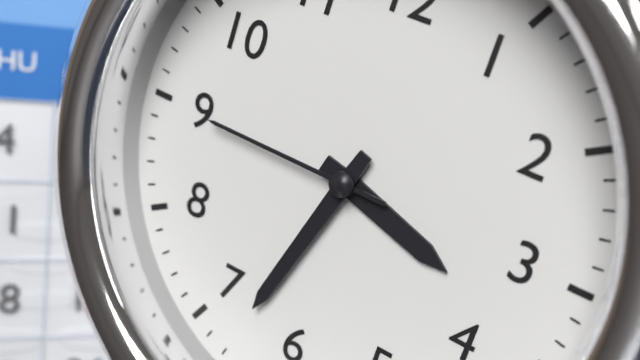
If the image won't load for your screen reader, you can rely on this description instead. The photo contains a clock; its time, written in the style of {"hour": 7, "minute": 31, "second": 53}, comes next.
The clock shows {"hour": 3, "minute": 33, "second": 45}
